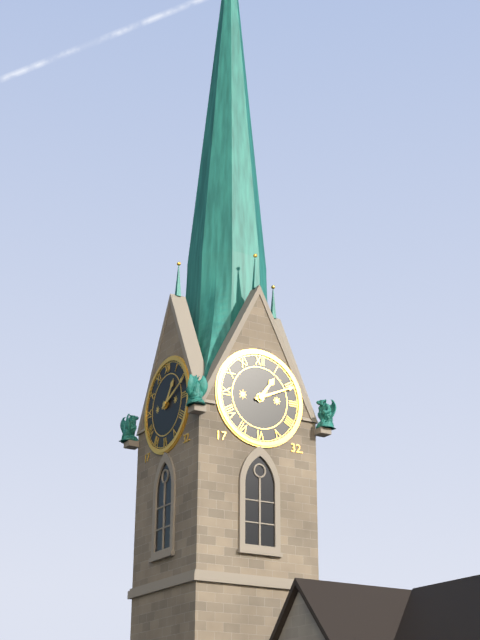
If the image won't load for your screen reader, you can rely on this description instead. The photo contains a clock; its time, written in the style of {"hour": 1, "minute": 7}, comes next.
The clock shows {"hour": 1, "minute": 11}
